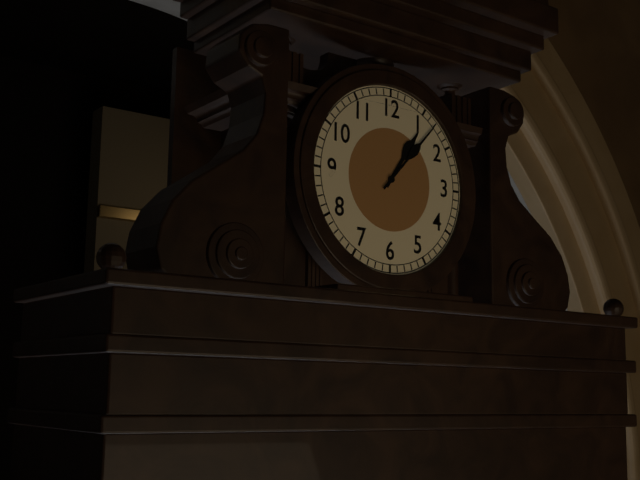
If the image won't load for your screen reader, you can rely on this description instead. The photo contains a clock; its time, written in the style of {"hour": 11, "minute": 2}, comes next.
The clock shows {"hour": 1, "minute": 7}
